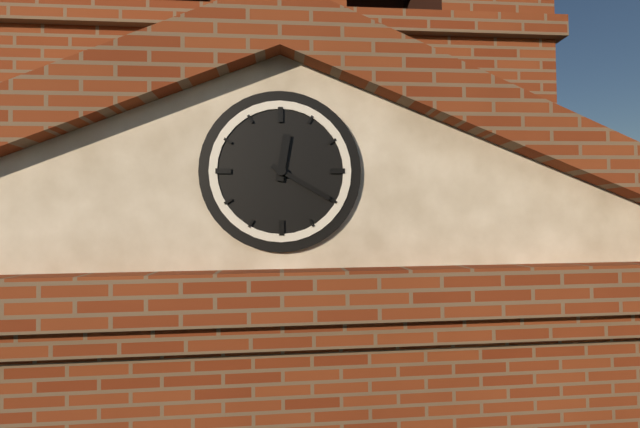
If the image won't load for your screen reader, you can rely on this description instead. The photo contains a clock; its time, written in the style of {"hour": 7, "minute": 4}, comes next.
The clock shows {"hour": 12, "minute": 20}
